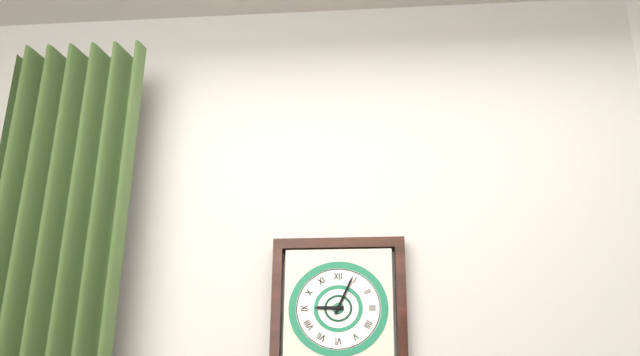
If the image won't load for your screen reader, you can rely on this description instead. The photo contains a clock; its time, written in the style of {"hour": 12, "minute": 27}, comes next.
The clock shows {"hour": 9, "minute": 4}
